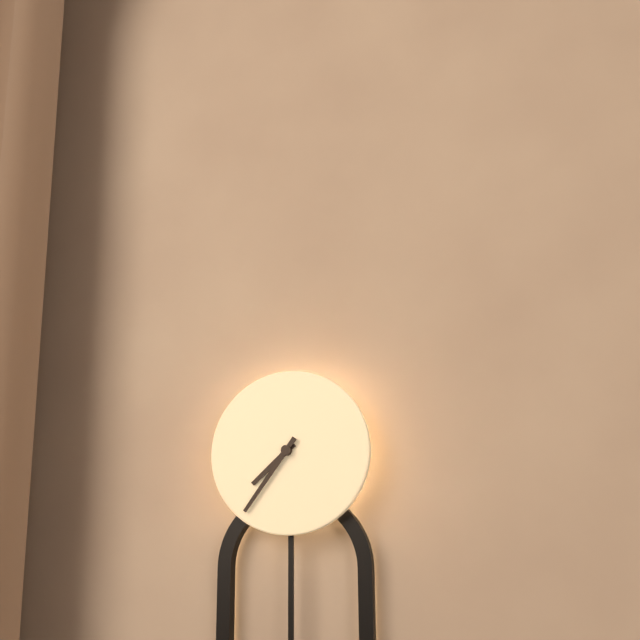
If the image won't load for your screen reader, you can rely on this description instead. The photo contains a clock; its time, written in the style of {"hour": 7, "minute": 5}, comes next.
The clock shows {"hour": 7, "minute": 36}
